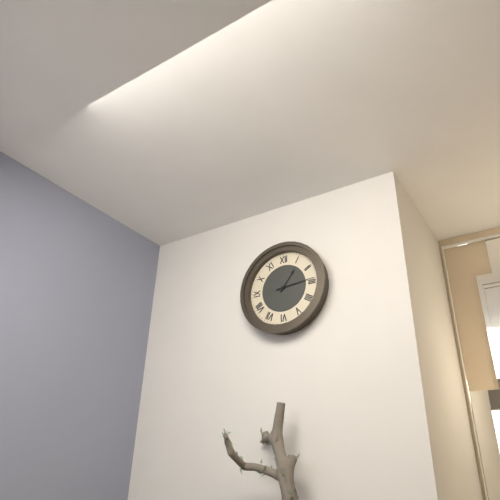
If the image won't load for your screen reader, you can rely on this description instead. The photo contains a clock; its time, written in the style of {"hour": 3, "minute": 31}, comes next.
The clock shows {"hour": 1, "minute": 14}
